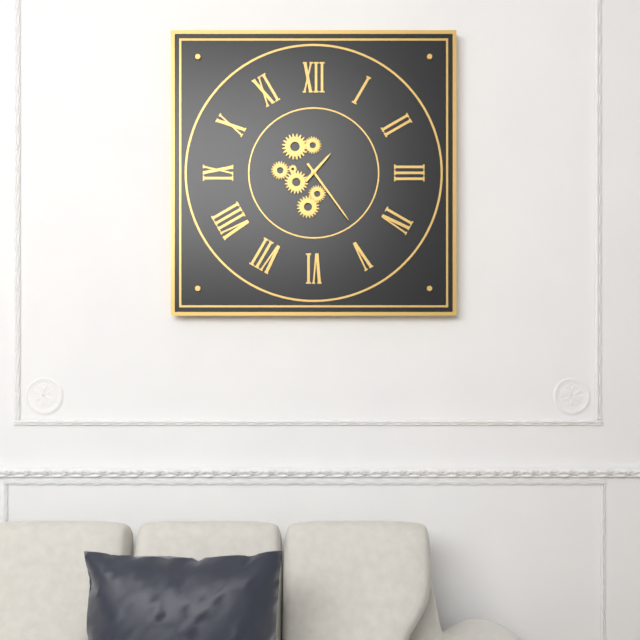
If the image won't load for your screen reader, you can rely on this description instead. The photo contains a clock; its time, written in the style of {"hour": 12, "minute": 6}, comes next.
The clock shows {"hour": 1, "minute": 24}
